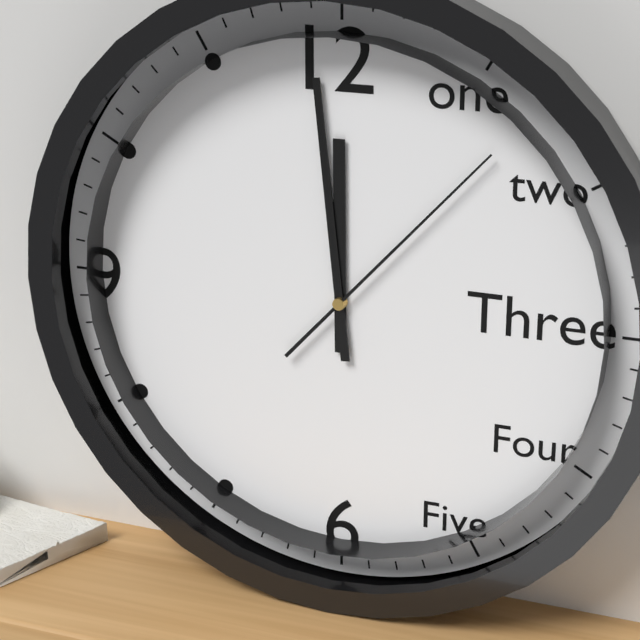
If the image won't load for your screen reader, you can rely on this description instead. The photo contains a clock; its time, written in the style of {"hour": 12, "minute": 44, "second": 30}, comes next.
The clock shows {"hour": 11, "minute": 59, "second": 7}
